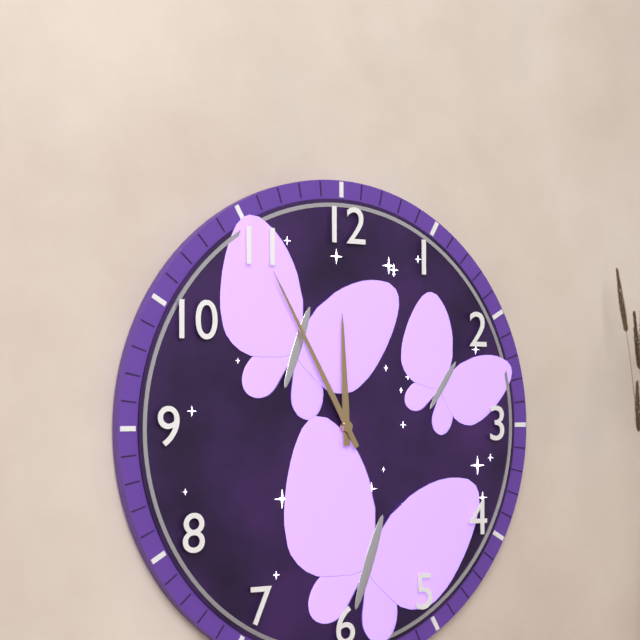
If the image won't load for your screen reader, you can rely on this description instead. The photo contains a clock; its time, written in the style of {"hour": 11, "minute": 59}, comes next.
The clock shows {"hour": 11, "minute": 55}
